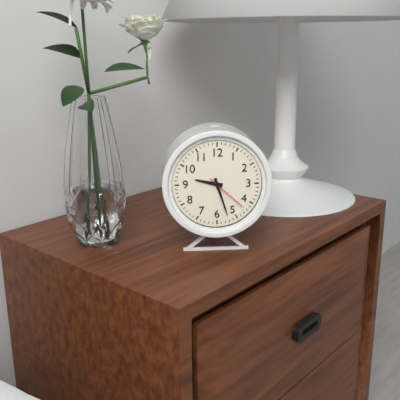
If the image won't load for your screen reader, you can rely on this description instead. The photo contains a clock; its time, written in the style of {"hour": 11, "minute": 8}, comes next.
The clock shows {"hour": 9, "minute": 27}
